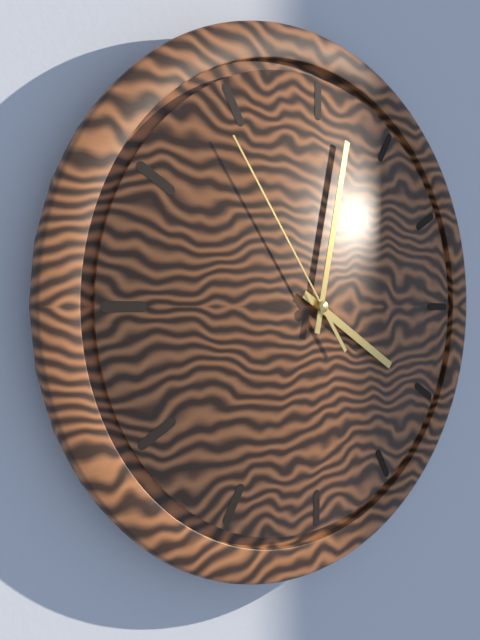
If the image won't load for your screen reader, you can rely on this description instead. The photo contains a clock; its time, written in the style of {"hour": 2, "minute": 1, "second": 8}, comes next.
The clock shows {"hour": 4, "minute": 2, "second": 54}
